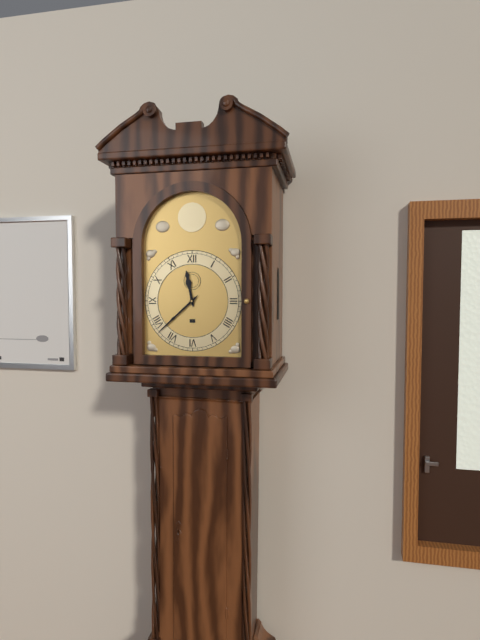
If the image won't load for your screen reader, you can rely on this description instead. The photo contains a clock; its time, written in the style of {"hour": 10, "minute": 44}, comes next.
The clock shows {"hour": 11, "minute": 38}
